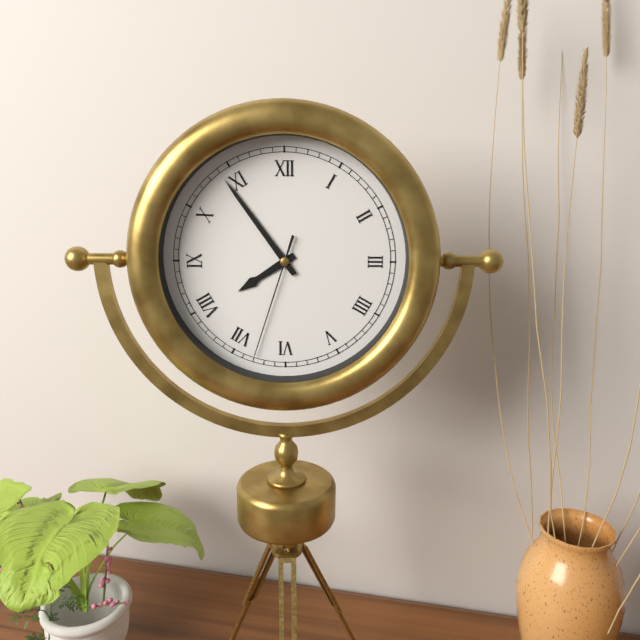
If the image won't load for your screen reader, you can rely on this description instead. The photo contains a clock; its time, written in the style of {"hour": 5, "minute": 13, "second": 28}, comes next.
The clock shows {"hour": 7, "minute": 54, "second": 33}
